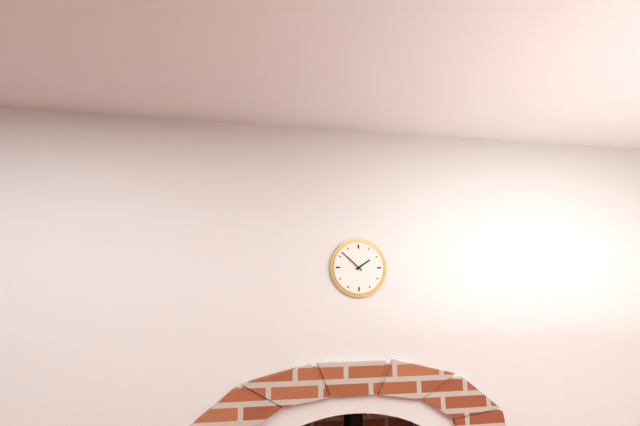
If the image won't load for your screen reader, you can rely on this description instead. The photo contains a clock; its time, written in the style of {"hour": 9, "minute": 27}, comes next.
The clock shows {"hour": 1, "minute": 52}
